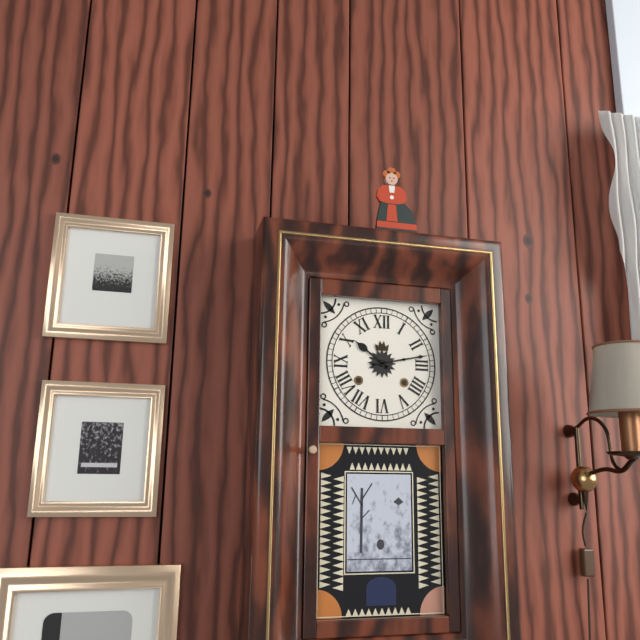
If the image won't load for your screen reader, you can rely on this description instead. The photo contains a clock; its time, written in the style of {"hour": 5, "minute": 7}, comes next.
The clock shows {"hour": 10, "minute": 13}
